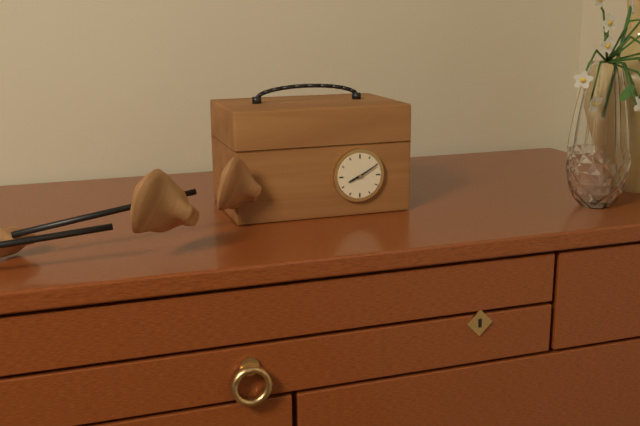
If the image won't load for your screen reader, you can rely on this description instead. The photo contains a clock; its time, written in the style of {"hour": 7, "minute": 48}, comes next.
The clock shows {"hour": 8, "minute": 10}
